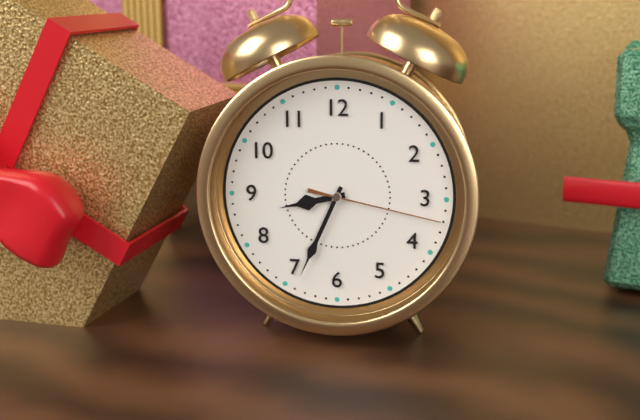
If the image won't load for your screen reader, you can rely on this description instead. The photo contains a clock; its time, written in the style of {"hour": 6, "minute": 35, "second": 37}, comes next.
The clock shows {"hour": 8, "minute": 34, "second": 17}
